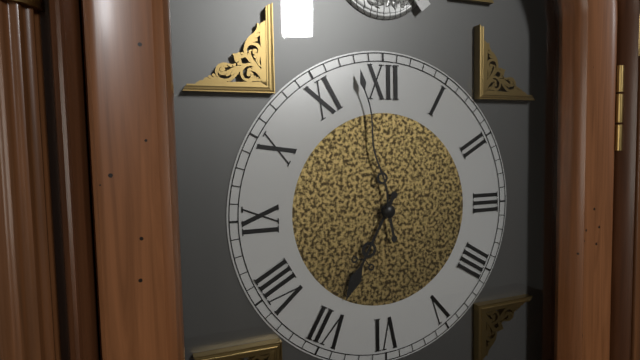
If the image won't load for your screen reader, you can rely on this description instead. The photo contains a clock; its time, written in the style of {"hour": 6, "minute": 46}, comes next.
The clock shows {"hour": 6, "minute": 58}
